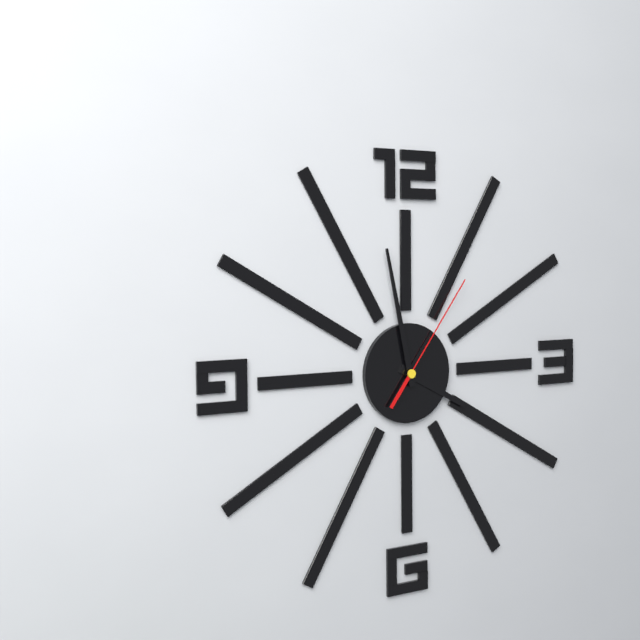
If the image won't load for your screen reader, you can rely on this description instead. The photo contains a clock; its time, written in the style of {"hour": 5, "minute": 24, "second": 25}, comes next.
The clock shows {"hour": 3, "minute": 58, "second": 6}
